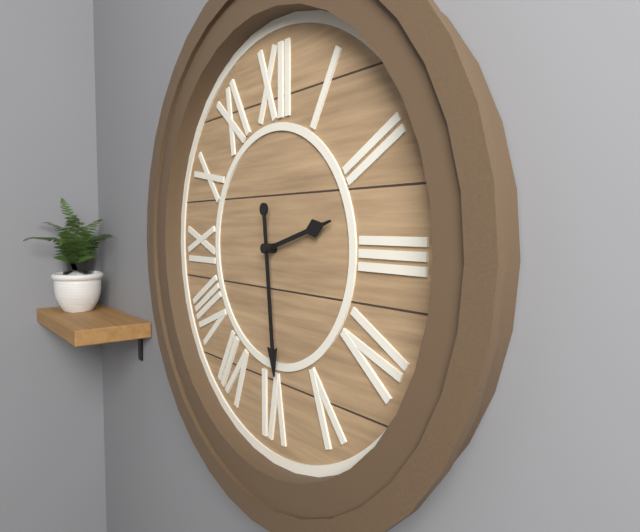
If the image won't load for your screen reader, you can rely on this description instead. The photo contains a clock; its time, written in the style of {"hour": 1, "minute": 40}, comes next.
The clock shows {"hour": 2, "minute": 29}
